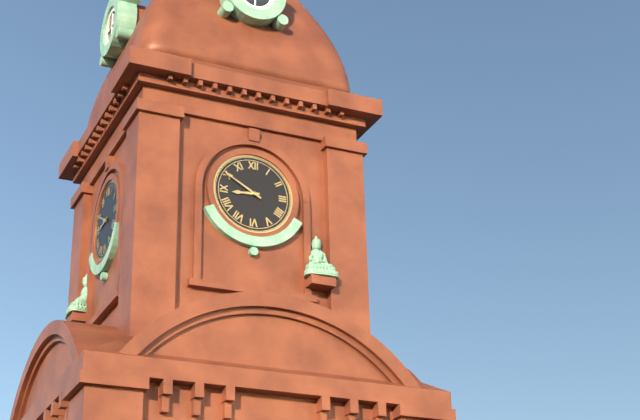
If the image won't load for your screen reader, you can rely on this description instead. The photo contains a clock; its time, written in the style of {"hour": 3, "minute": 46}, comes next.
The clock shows {"hour": 8, "minute": 50}
